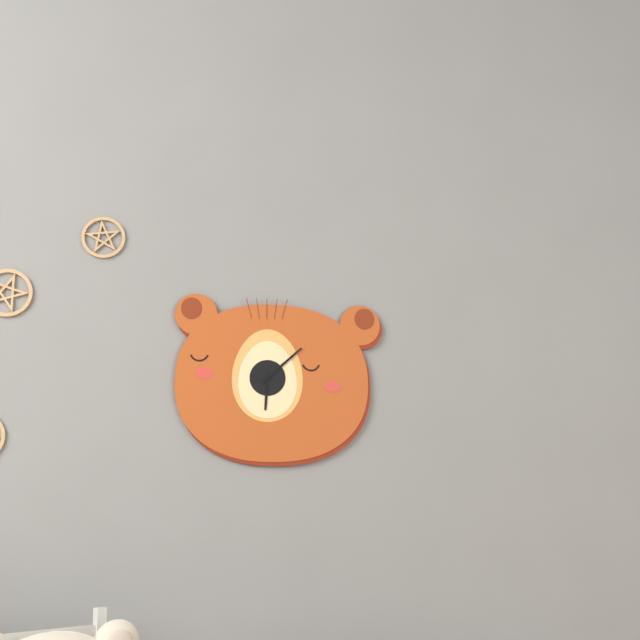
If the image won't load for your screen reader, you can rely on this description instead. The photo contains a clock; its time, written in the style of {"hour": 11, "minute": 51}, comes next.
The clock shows {"hour": 6, "minute": 8}
